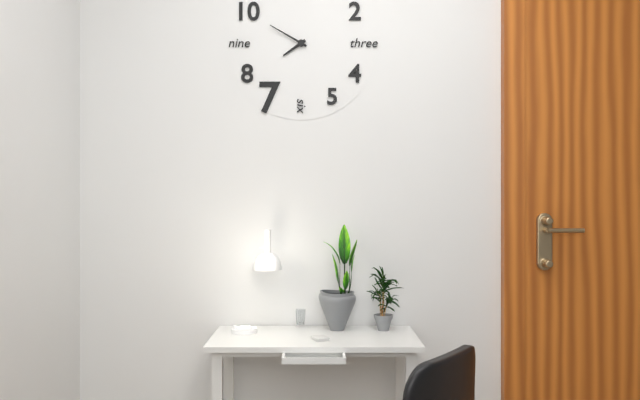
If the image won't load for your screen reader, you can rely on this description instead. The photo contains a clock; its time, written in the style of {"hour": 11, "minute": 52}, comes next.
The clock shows {"hour": 7, "minute": 50}
